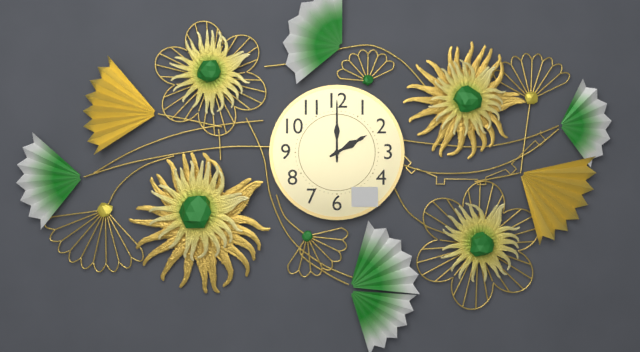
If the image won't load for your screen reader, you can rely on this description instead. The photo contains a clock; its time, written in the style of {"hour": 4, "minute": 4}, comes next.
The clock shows {"hour": 2, "minute": 0}
